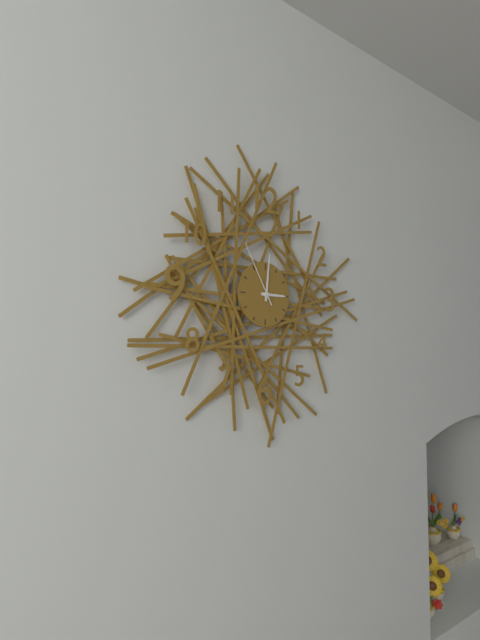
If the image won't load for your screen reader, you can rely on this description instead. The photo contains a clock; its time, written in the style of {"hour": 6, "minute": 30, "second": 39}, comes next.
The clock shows {"hour": 3, "minute": 1, "second": 55}
